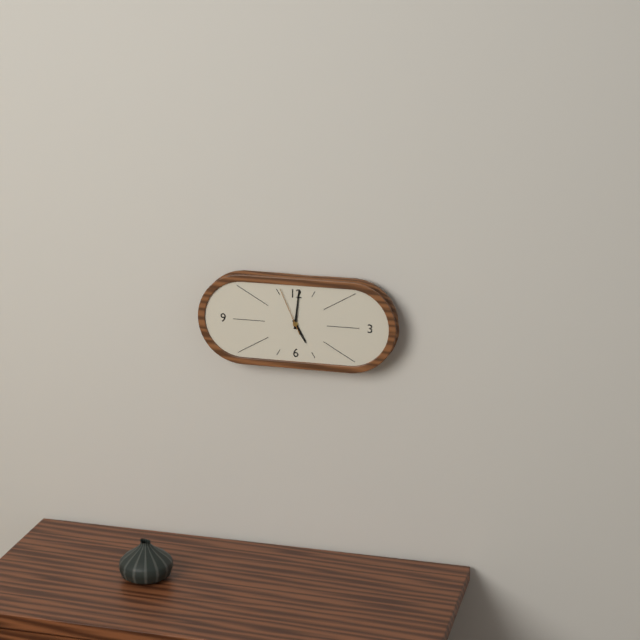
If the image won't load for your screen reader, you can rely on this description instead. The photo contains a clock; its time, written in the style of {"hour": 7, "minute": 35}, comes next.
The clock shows {"hour": 5, "minute": 1}
